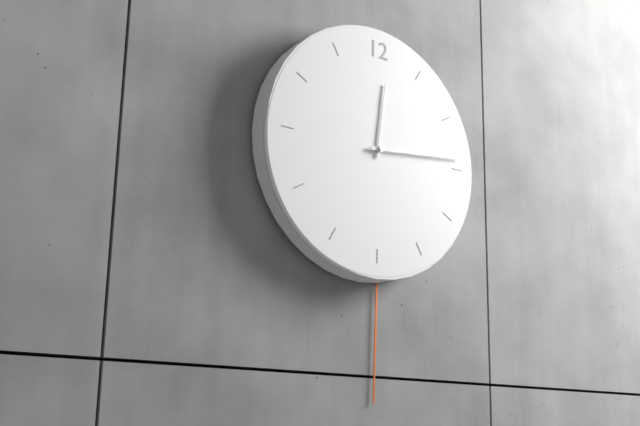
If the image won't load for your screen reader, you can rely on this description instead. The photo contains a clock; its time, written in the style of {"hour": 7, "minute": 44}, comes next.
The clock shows {"hour": 12, "minute": 14}
